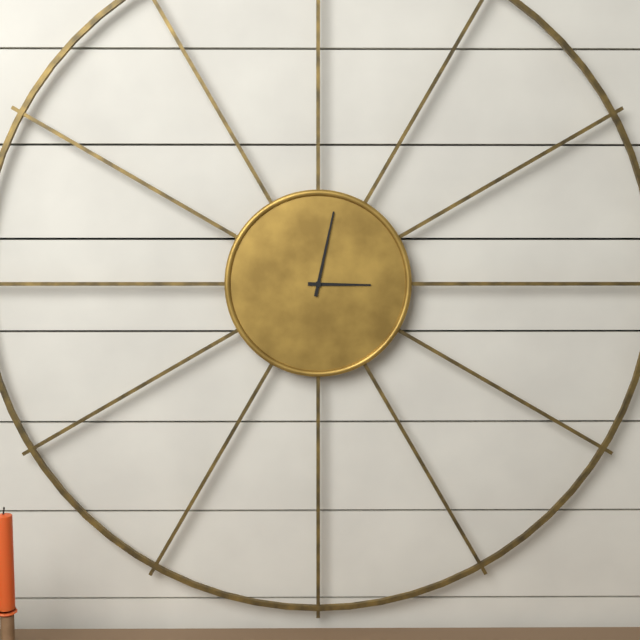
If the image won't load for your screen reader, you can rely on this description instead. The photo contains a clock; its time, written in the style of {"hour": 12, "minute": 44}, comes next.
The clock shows {"hour": 3, "minute": 2}
